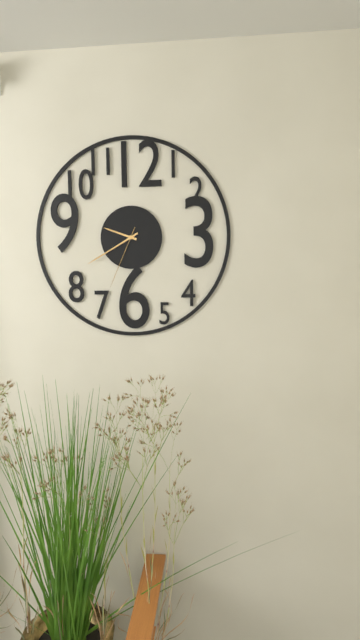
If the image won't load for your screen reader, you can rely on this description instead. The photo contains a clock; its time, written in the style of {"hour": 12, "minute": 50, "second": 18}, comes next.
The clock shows {"hour": 9, "minute": 40, "second": 34}
